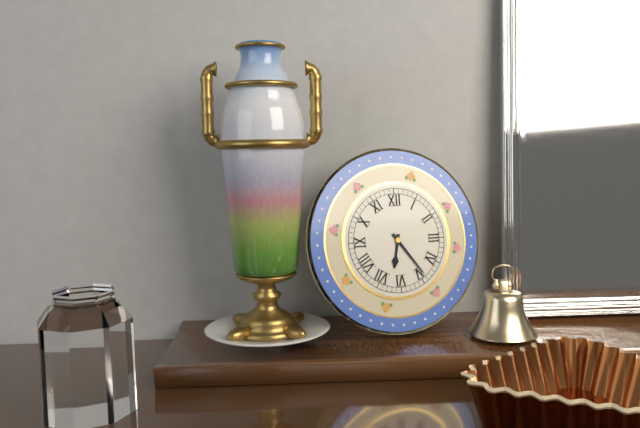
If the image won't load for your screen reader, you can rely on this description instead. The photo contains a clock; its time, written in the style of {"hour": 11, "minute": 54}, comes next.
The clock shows {"hour": 6, "minute": 24}
